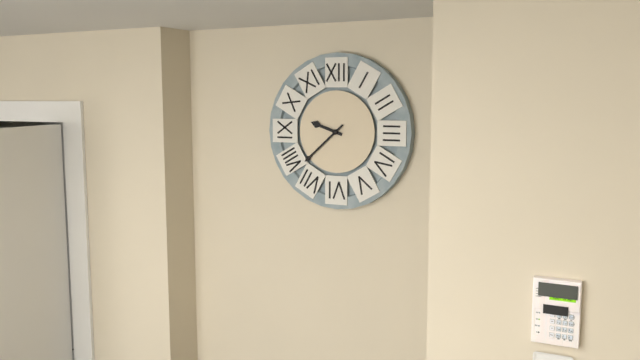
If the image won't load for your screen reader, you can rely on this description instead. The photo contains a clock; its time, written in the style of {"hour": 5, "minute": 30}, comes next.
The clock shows {"hour": 9, "minute": 38}
